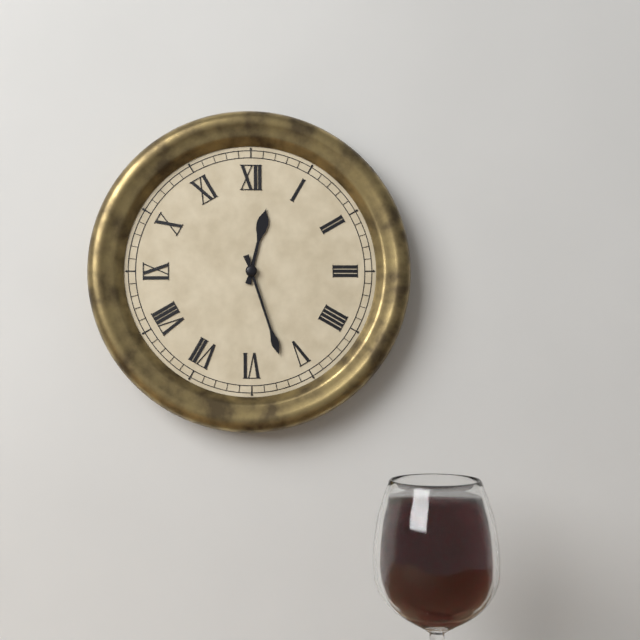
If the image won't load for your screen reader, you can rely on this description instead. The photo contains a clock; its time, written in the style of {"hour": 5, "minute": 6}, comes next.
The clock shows {"hour": 12, "minute": 27}
